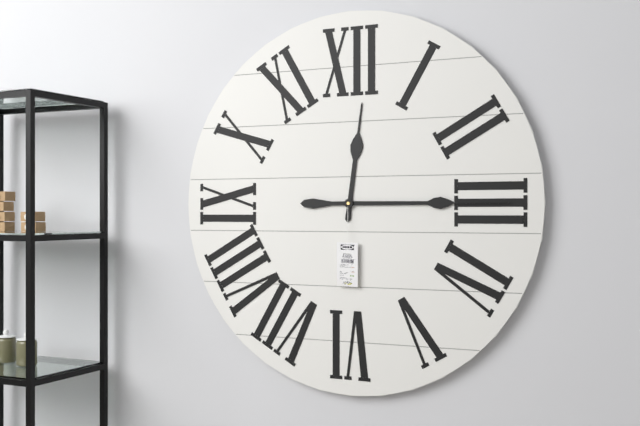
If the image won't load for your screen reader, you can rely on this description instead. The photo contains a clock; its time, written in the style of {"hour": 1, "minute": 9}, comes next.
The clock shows {"hour": 12, "minute": 15}
